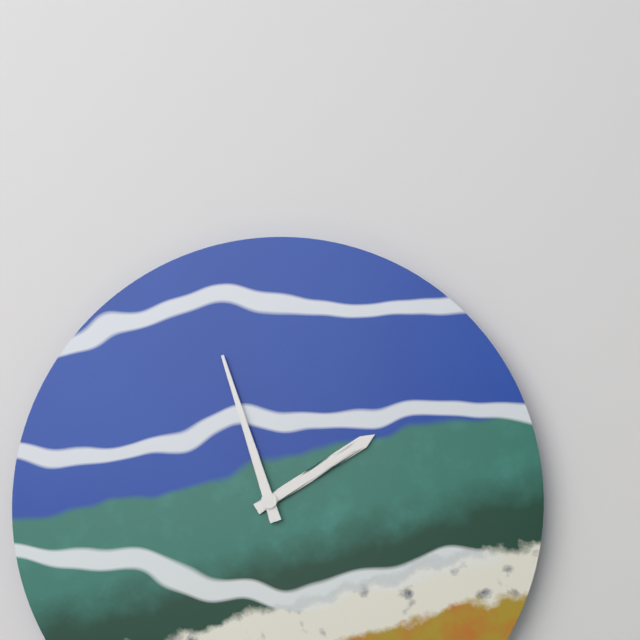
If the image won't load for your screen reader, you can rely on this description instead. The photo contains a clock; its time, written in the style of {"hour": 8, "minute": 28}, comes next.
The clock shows {"hour": 1, "minute": 57}
